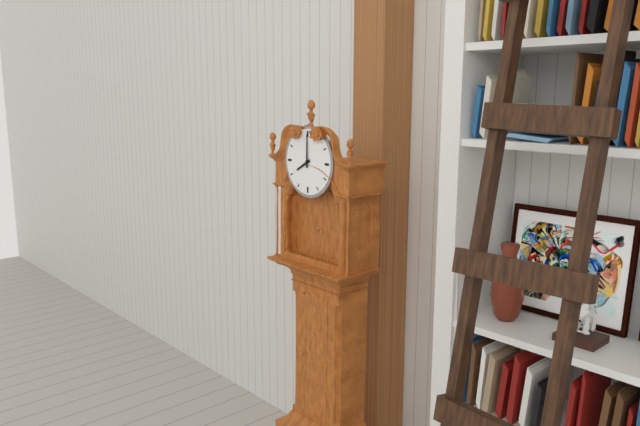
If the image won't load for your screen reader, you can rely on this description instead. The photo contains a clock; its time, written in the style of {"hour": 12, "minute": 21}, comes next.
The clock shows {"hour": 8, "minute": 0}
